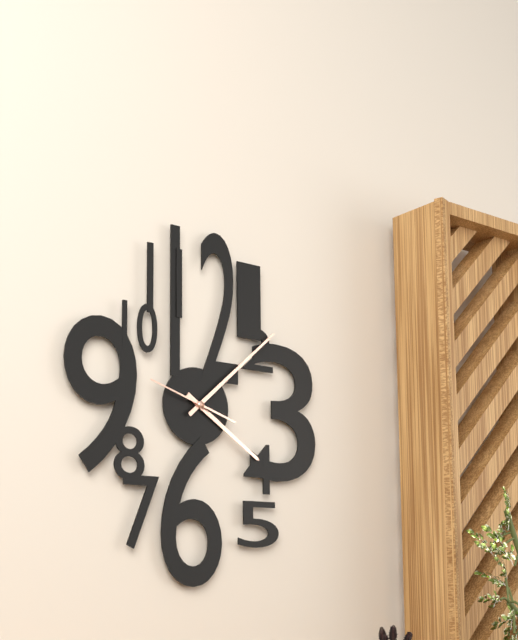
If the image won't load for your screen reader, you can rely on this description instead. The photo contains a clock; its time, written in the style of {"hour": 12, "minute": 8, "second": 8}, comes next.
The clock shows {"hour": 4, "minute": 8, "second": 48}
